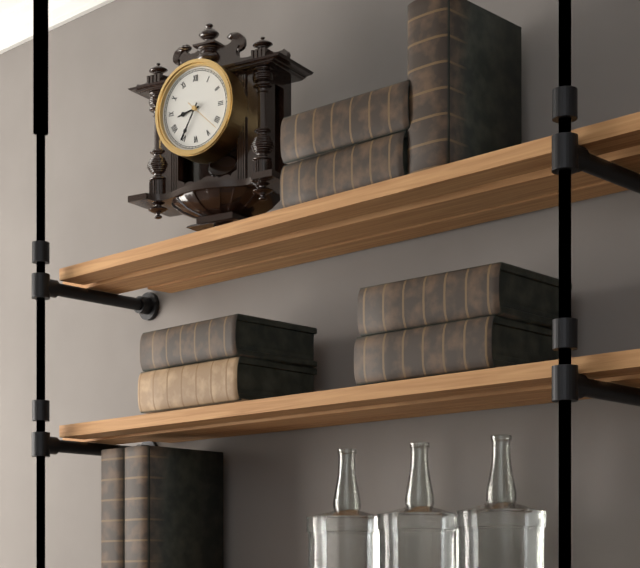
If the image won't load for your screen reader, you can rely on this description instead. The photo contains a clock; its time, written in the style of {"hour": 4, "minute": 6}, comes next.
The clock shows {"hour": 8, "minute": 35}
